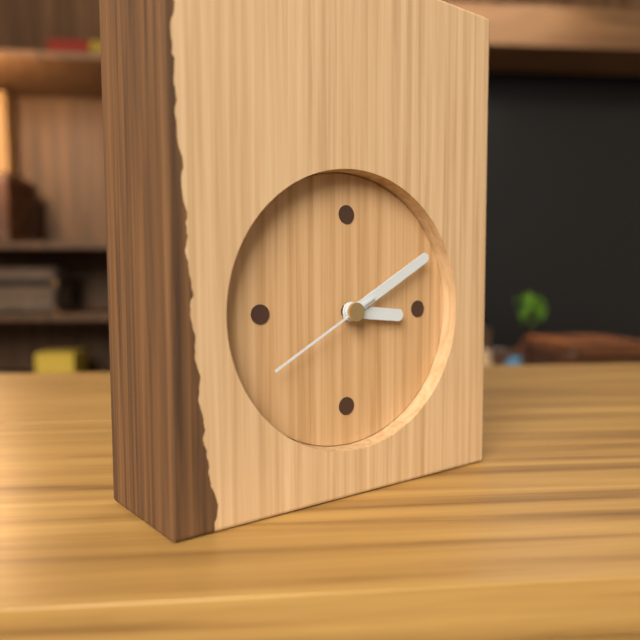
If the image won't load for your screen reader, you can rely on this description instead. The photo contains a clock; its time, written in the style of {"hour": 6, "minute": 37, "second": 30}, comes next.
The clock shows {"hour": 3, "minute": 10, "second": 40}
